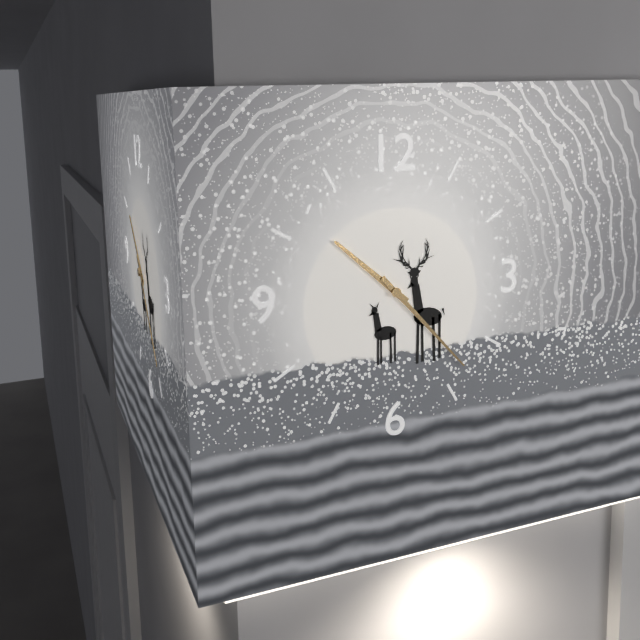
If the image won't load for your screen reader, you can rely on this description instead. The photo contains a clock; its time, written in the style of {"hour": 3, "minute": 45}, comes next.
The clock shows {"hour": 10, "minute": 23}
